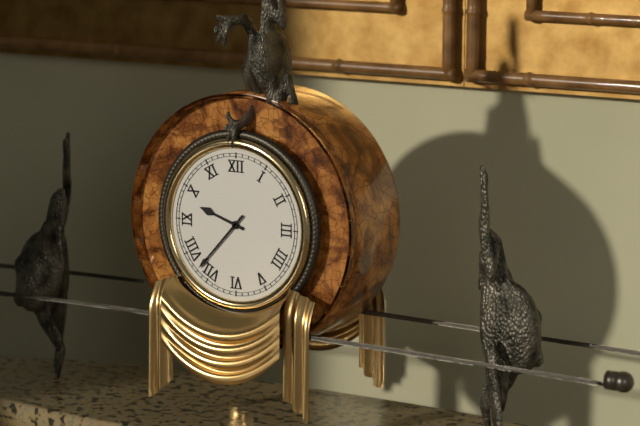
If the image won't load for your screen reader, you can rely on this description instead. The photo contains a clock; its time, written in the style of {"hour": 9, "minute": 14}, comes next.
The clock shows {"hour": 9, "minute": 37}
